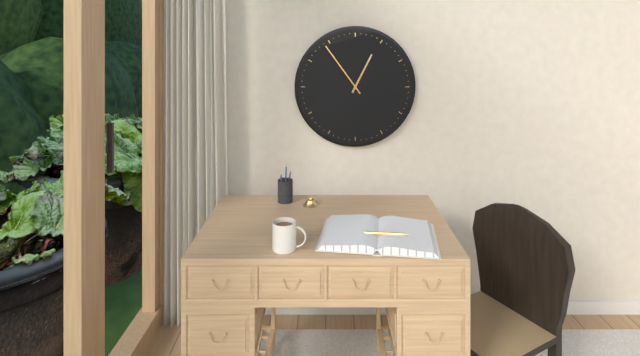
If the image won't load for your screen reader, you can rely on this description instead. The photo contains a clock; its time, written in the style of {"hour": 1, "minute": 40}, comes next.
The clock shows {"hour": 12, "minute": 54}
